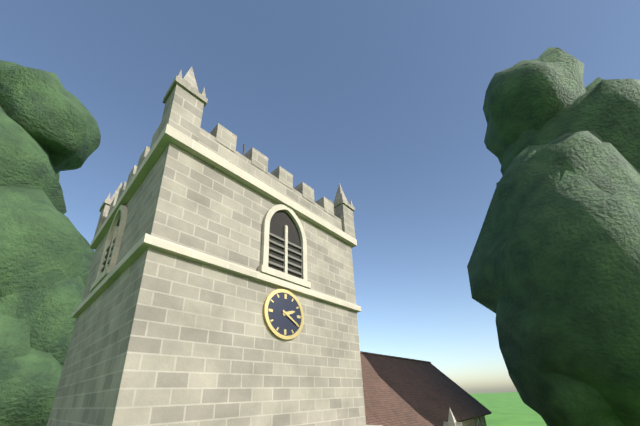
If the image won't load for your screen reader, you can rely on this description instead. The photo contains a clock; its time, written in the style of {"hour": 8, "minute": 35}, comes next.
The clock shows {"hour": 2, "minute": 20}
